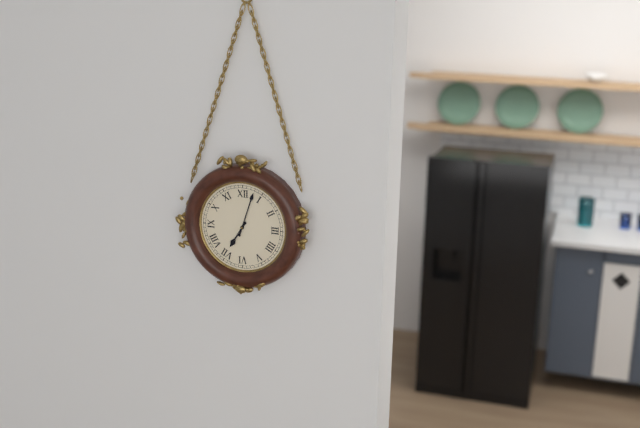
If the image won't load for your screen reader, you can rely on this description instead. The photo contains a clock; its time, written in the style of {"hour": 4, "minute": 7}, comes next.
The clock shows {"hour": 7, "minute": 3}
